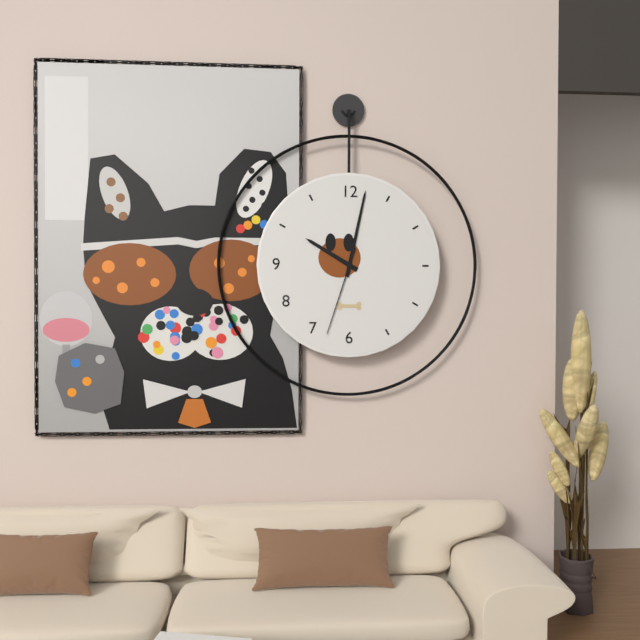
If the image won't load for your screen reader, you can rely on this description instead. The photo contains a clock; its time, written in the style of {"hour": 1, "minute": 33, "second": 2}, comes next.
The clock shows {"hour": 10, "minute": 2, "second": 33}
